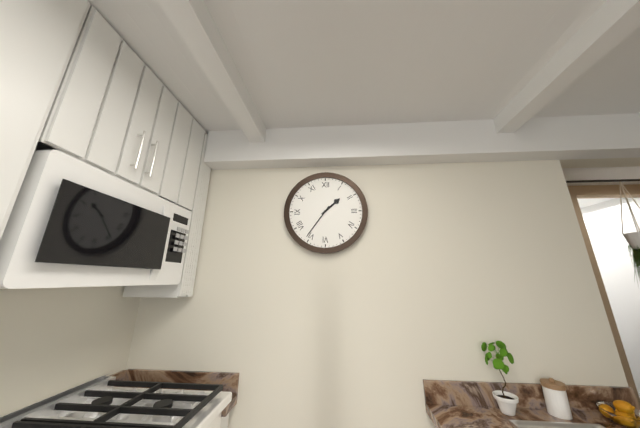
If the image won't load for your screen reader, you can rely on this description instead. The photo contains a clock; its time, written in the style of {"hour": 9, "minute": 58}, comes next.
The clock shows {"hour": 1, "minute": 36}
